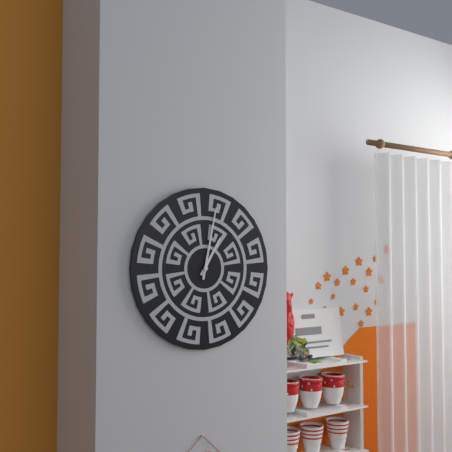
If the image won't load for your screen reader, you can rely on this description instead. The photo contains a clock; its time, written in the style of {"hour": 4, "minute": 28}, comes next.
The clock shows {"hour": 1, "minute": 2}
